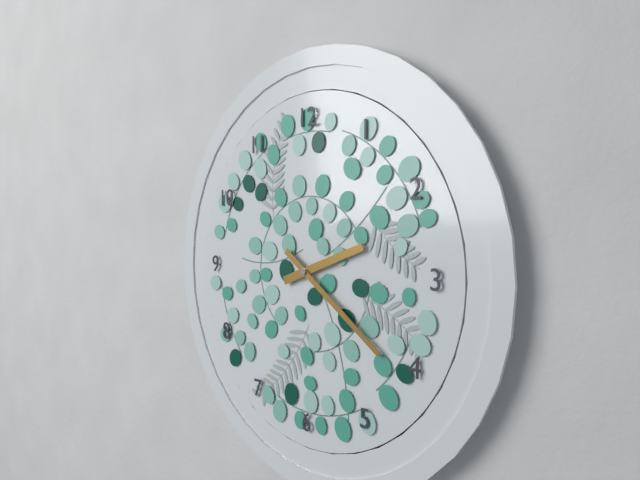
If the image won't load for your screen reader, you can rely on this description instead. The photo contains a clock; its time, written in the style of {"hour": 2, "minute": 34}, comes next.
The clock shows {"hour": 2, "minute": 21}
